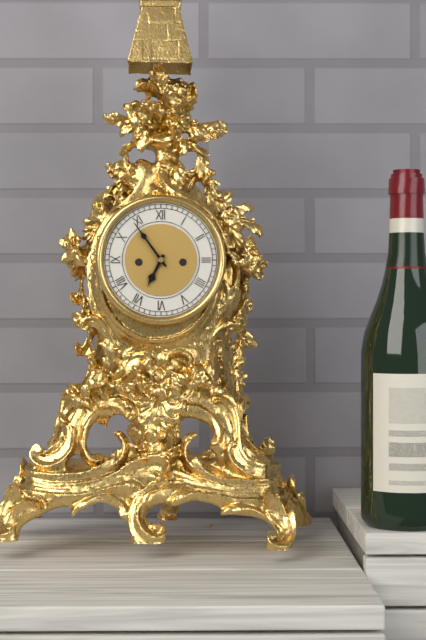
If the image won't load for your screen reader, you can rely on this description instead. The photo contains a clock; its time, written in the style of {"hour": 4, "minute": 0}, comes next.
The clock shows {"hour": 6, "minute": 54}
